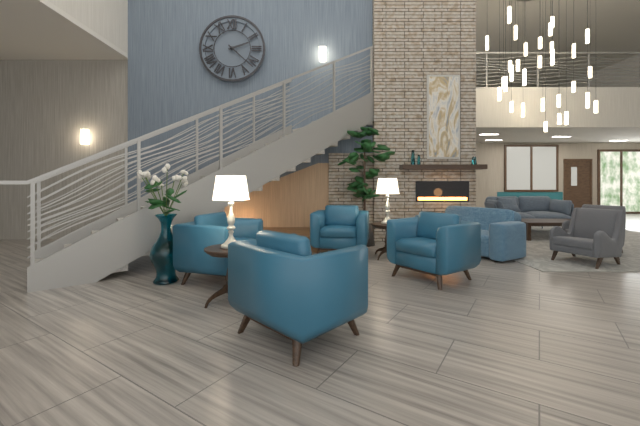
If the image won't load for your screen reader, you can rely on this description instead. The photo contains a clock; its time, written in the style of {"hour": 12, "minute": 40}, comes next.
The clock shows {"hour": 2, "minute": 22}
